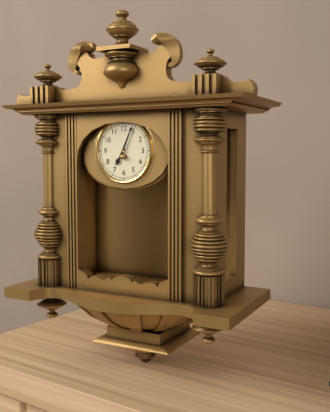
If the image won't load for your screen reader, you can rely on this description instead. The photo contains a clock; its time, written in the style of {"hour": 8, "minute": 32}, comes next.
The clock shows {"hour": 7, "minute": 4}
